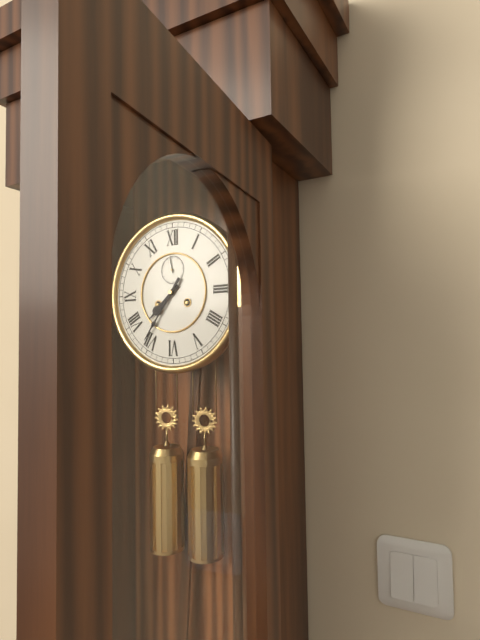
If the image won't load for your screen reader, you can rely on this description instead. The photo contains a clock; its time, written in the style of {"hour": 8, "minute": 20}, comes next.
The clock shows {"hour": 7, "minute": 36}
